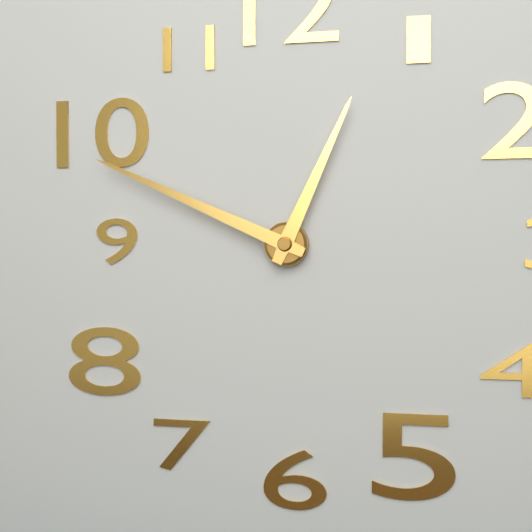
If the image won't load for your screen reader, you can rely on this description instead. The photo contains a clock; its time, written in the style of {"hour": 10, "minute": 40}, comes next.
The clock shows {"hour": 12, "minute": 49}
